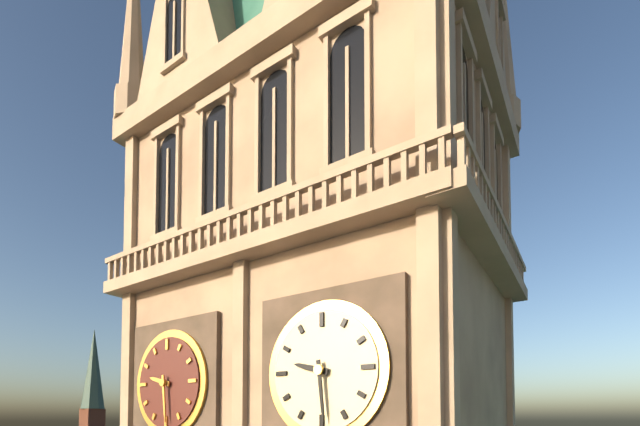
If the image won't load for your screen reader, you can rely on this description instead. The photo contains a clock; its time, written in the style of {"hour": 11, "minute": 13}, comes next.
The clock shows {"hour": 9, "minute": 29}
